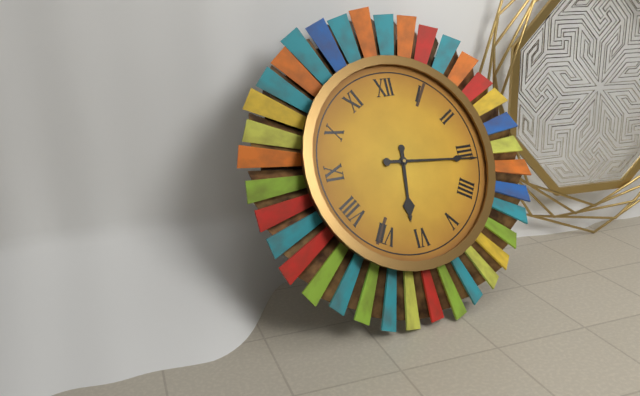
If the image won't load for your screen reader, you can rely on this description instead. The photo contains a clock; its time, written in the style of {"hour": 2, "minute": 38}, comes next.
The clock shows {"hour": 6, "minute": 16}
